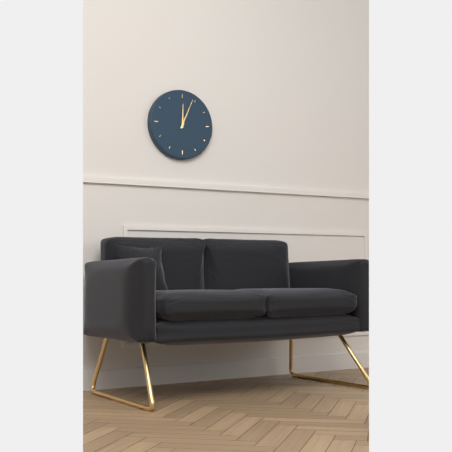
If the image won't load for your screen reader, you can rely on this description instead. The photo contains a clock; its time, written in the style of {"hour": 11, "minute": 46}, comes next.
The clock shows {"hour": 12, "minute": 4}
